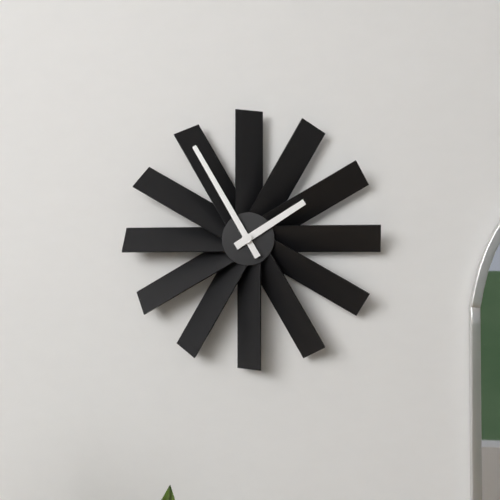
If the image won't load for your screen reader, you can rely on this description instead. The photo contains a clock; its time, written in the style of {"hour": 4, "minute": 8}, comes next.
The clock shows {"hour": 1, "minute": 55}
